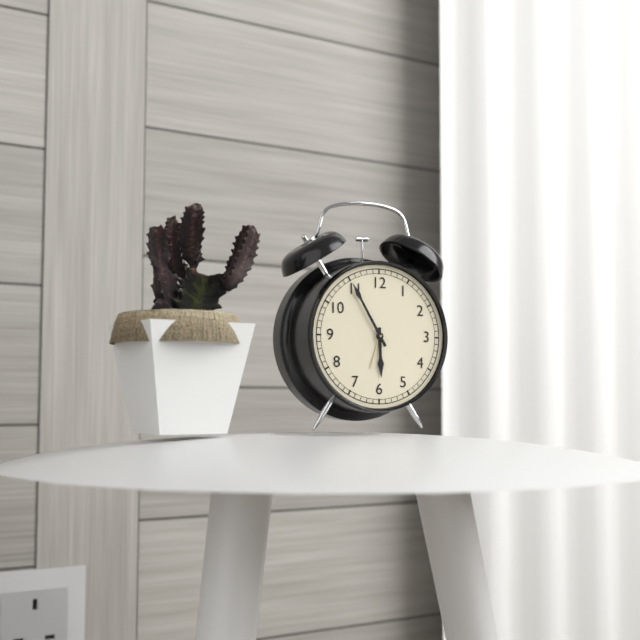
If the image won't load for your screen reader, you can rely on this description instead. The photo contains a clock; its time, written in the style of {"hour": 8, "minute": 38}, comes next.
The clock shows {"hour": 5, "minute": 55}
